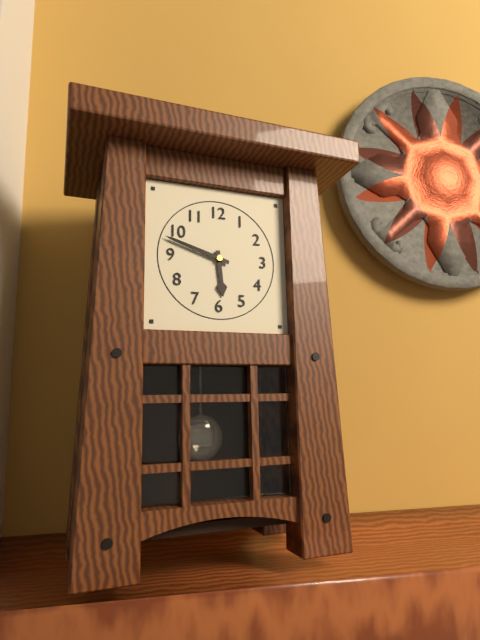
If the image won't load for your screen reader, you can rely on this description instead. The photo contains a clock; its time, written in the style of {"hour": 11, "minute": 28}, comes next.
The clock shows {"hour": 5, "minute": 48}
